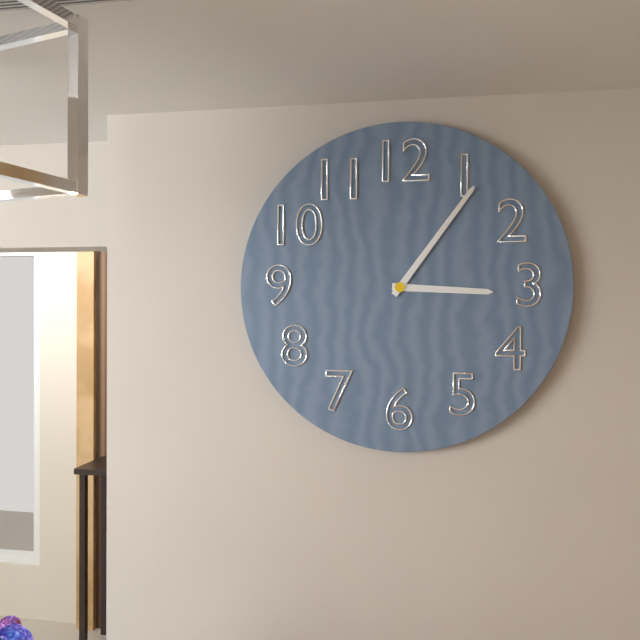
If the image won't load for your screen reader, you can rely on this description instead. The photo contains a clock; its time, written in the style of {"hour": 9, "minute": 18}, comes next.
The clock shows {"hour": 3, "minute": 6}
